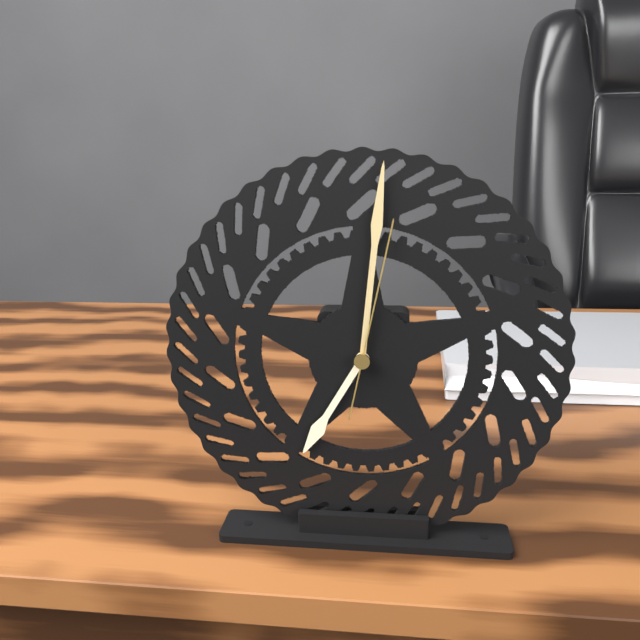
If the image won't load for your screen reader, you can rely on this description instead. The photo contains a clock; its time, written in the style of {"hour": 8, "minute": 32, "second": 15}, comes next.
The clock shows {"hour": 7, "minute": 1, "second": 2}
